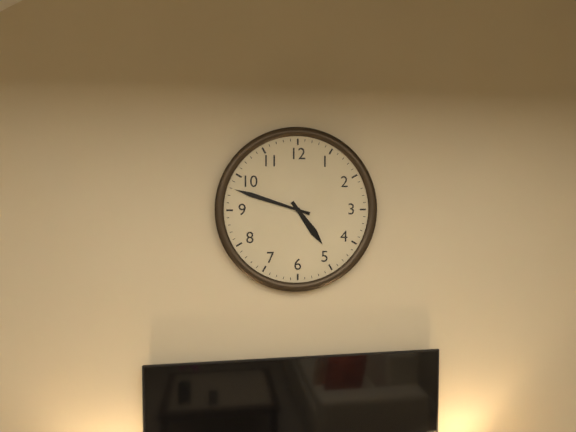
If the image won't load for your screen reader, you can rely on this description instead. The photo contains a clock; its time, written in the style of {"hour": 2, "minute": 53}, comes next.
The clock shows {"hour": 4, "minute": 48}
